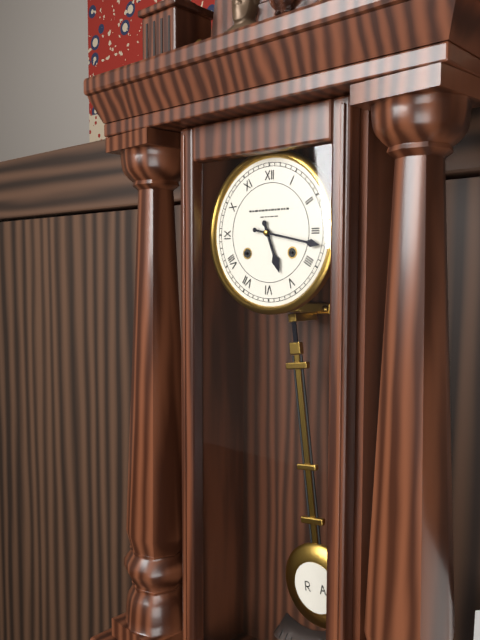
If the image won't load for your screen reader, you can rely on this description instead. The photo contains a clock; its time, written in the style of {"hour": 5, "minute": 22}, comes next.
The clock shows {"hour": 5, "minute": 17}
